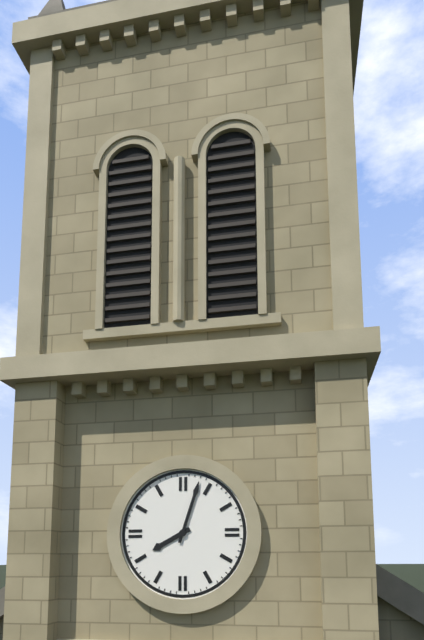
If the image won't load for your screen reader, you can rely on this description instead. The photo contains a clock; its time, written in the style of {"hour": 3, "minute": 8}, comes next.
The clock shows {"hour": 8, "minute": 3}
